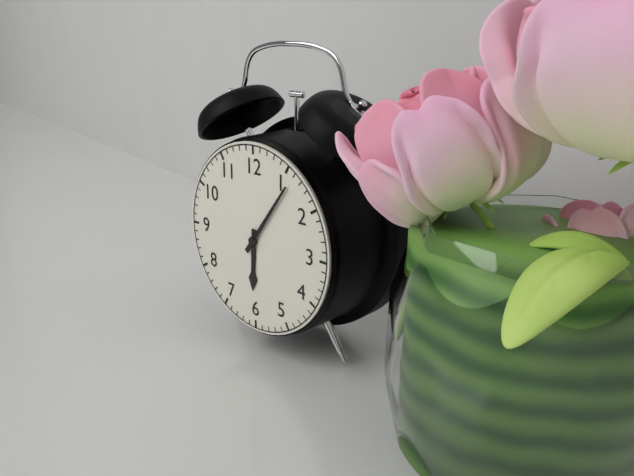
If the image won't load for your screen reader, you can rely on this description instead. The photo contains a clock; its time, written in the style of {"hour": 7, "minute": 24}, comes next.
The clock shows {"hour": 6, "minute": 6}
